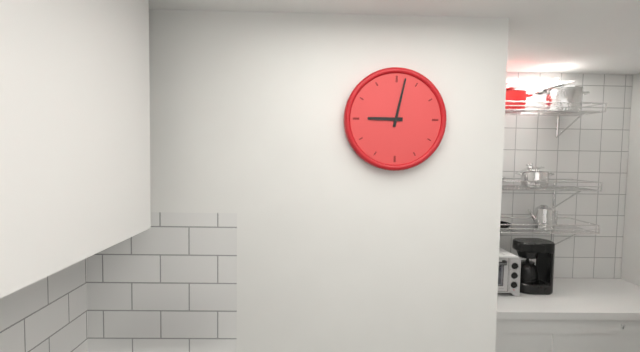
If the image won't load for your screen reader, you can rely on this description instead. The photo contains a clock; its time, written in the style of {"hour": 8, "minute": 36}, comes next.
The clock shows {"hour": 9, "minute": 2}
